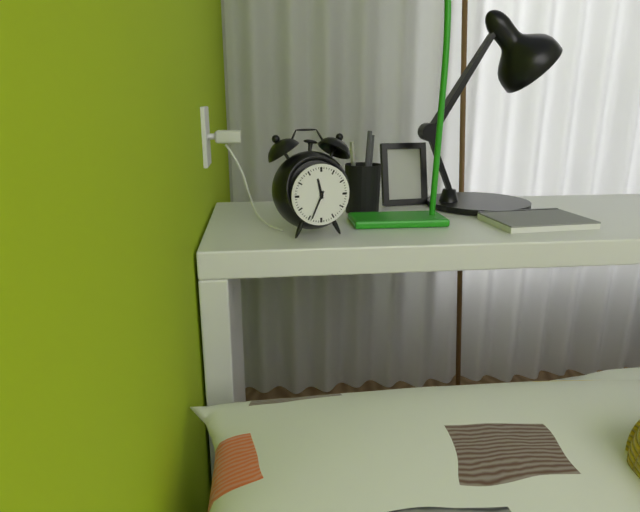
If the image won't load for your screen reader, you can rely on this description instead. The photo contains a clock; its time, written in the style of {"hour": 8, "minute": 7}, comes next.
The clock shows {"hour": 11, "minute": 34}
